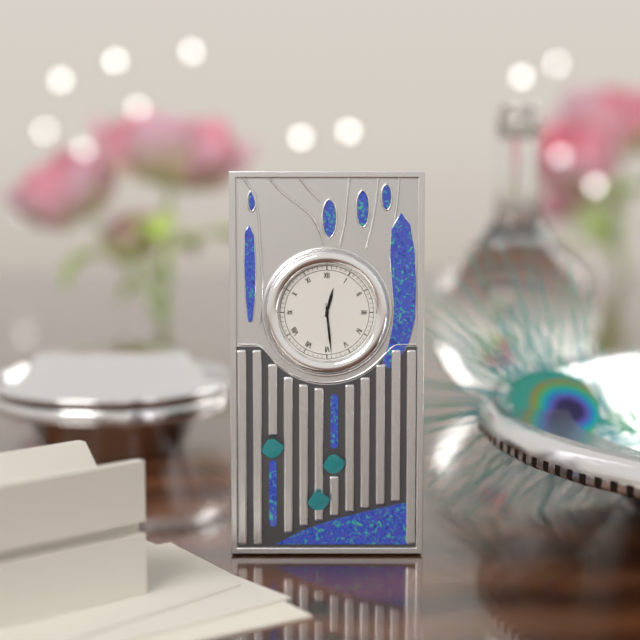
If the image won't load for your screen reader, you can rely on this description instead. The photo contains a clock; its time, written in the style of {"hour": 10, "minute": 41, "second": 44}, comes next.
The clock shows {"hour": 12, "minute": 29, "second": 29}
